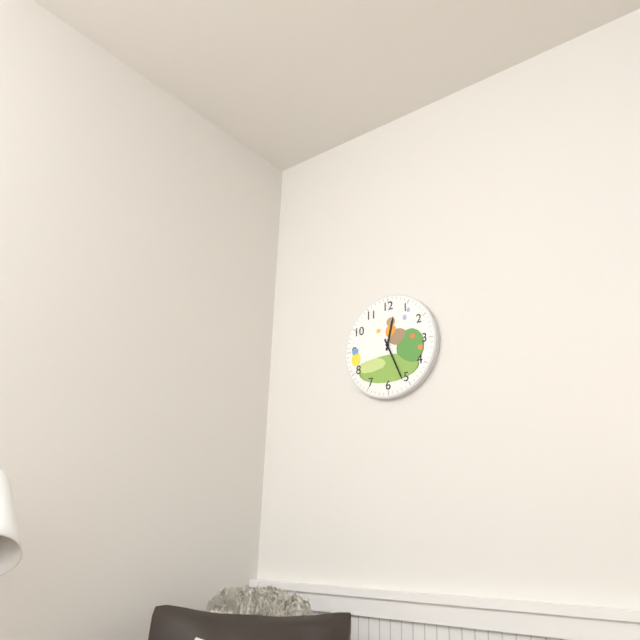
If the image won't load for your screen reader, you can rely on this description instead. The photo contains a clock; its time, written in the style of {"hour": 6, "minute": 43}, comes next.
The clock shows {"hour": 12, "minute": 26}
